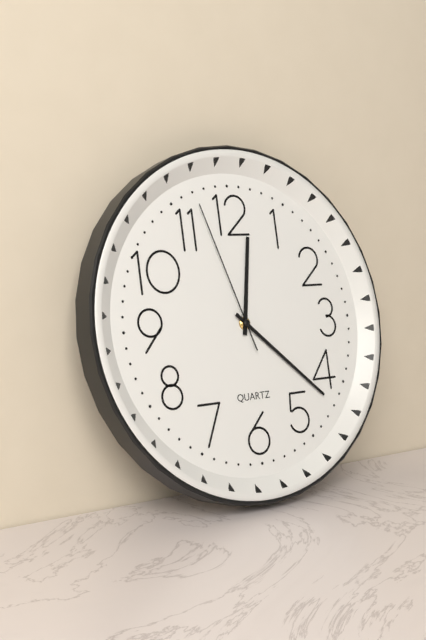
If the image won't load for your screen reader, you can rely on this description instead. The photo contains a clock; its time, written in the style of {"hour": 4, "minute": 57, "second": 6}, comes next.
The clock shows {"hour": 12, "minute": 22, "second": 57}
